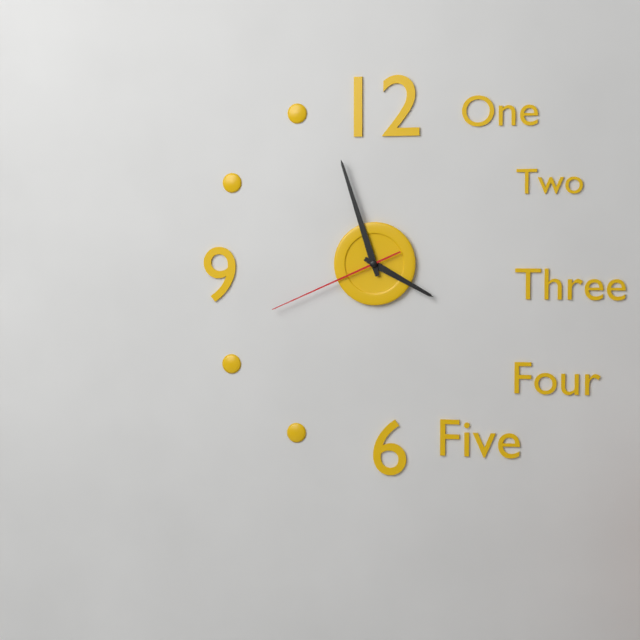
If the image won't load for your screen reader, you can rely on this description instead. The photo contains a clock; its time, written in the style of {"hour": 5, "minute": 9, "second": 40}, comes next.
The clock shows {"hour": 3, "minute": 57, "second": 41}
